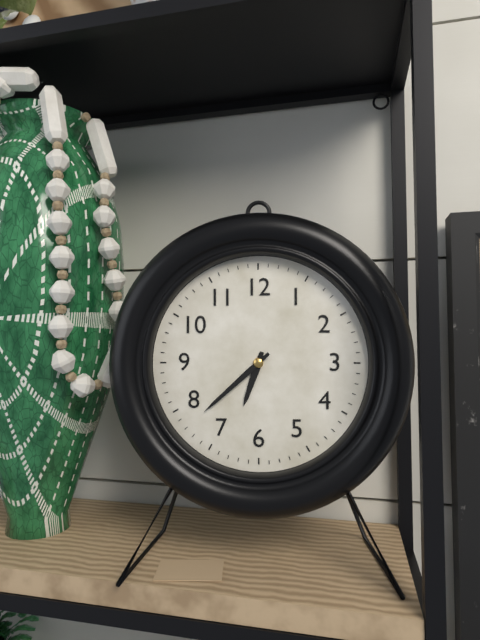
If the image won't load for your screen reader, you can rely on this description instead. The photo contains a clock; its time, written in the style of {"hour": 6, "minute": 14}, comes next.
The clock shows {"hour": 6, "minute": 38}
